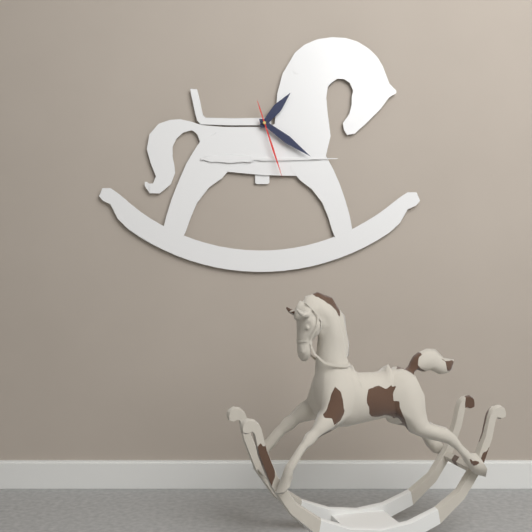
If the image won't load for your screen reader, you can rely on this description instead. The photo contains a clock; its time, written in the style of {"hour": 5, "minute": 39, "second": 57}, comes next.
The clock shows {"hour": 1, "minute": 21, "second": 27}
